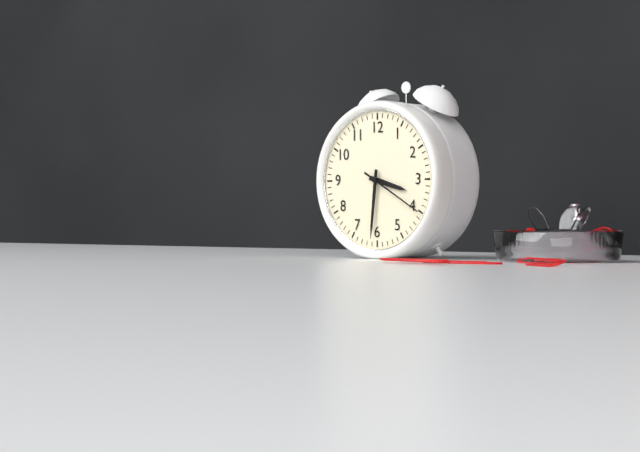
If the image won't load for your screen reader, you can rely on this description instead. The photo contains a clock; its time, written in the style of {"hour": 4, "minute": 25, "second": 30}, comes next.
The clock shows {"hour": 3, "minute": 31, "second": 20}
